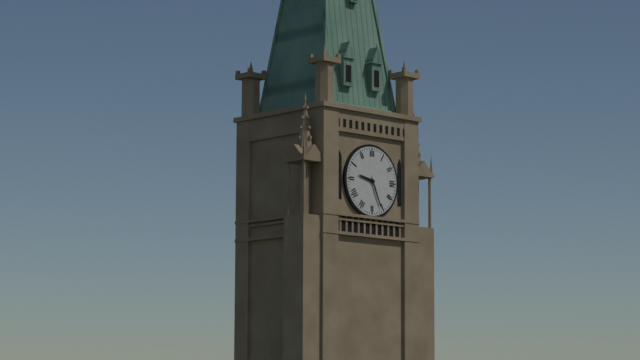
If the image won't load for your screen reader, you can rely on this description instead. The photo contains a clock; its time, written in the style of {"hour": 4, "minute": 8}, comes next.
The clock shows {"hour": 9, "minute": 26}
